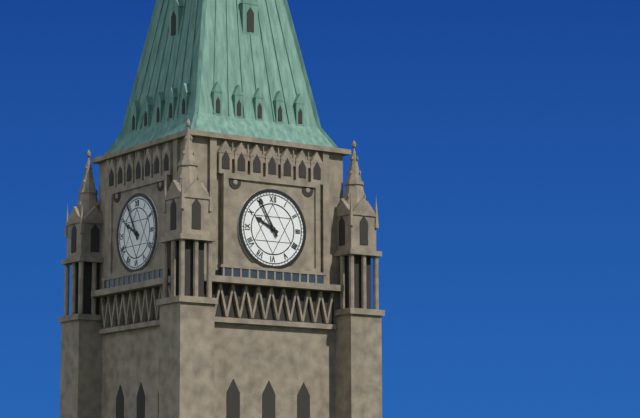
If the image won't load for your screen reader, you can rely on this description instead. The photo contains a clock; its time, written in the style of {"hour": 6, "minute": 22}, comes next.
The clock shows {"hour": 9, "minute": 55}
